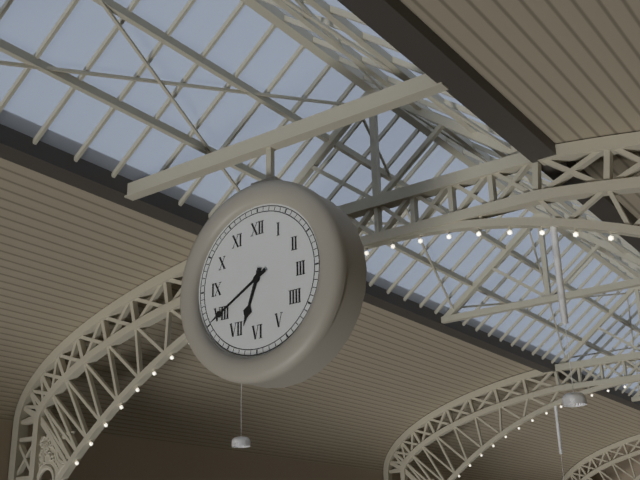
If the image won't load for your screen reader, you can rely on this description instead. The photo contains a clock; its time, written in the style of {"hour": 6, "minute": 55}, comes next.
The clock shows {"hour": 6, "minute": 40}
